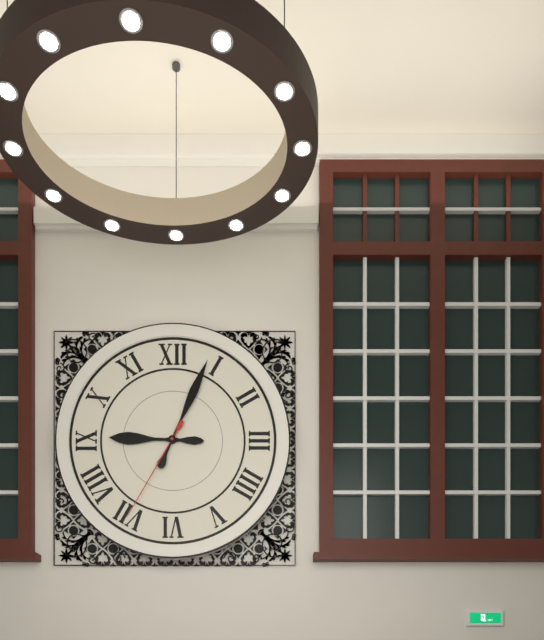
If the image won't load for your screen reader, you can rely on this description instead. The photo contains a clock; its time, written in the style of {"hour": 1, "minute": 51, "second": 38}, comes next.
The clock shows {"hour": 9, "minute": 4, "second": 35}
